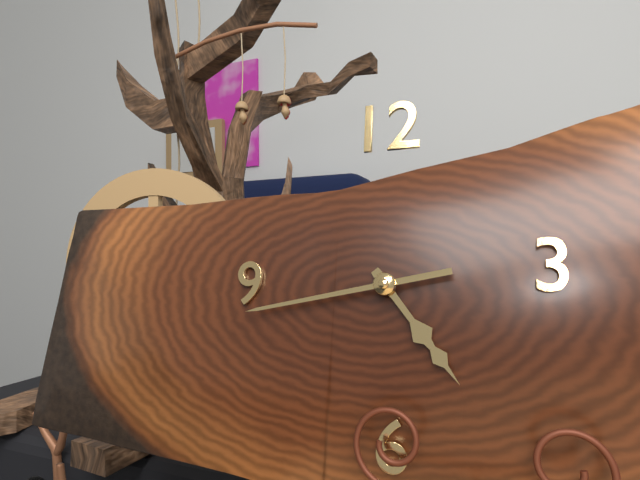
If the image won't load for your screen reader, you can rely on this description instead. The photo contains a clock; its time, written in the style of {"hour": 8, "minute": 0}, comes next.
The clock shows {"hour": 4, "minute": 43}
